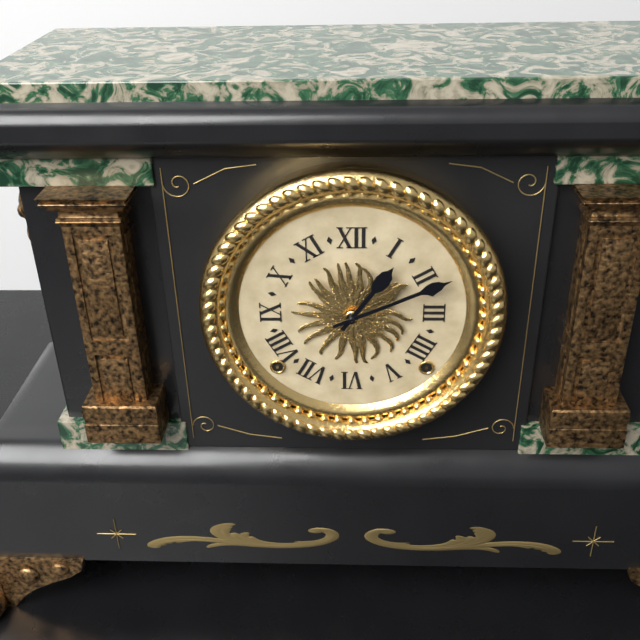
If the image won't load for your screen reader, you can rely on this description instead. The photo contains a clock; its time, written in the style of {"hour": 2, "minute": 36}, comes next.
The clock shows {"hour": 1, "minute": 11}
